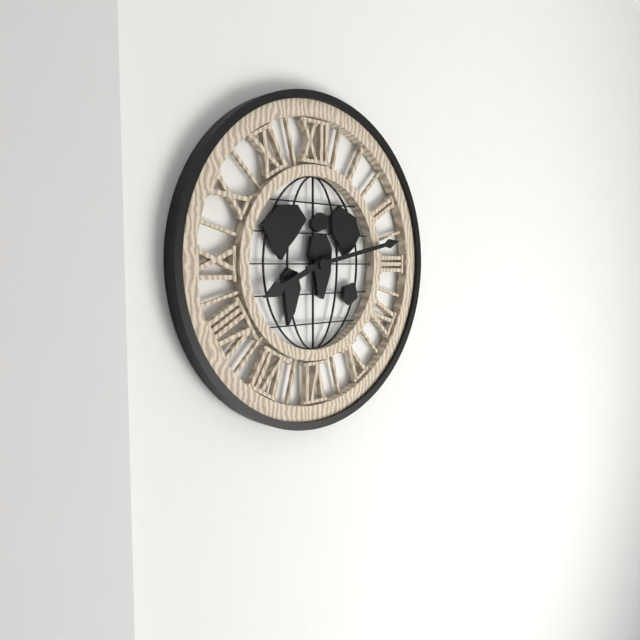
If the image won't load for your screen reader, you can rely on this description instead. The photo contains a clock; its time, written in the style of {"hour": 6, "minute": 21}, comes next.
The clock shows {"hour": 8, "minute": 13}
